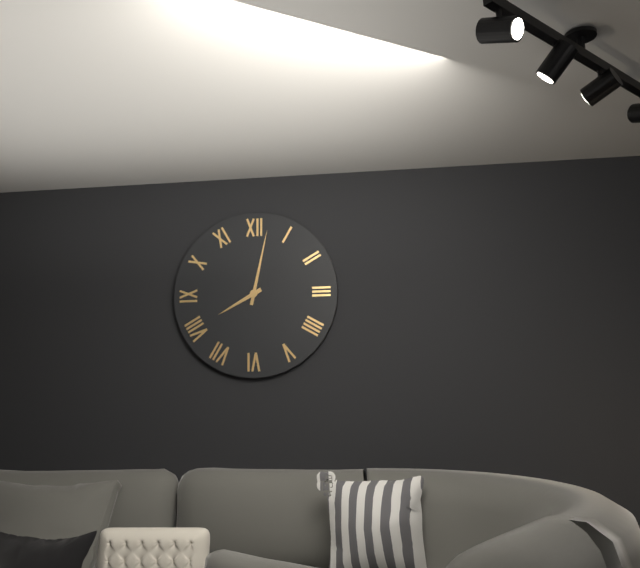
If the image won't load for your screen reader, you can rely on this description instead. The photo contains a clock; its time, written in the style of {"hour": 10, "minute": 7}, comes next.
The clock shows {"hour": 8, "minute": 2}
